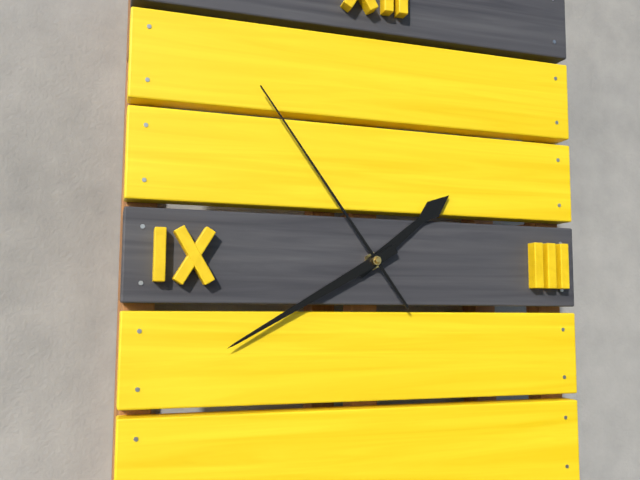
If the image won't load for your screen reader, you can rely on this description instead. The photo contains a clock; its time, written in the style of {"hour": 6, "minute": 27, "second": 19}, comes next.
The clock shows {"hour": 1, "minute": 40, "second": 54}
